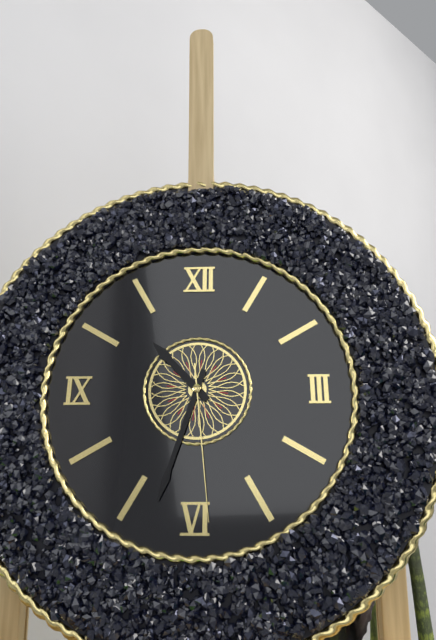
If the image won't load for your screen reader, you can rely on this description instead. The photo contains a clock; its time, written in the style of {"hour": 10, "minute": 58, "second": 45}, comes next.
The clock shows {"hour": 10, "minute": 33, "second": 29}
